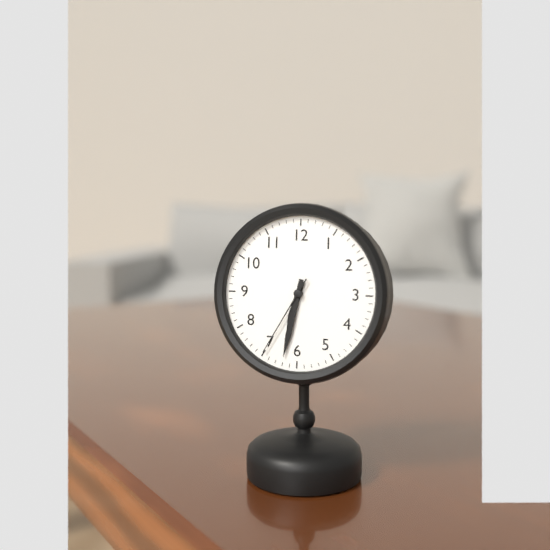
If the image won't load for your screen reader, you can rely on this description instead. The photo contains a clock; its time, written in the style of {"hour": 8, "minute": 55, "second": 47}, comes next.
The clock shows {"hour": 6, "minute": 32, "second": 35}
